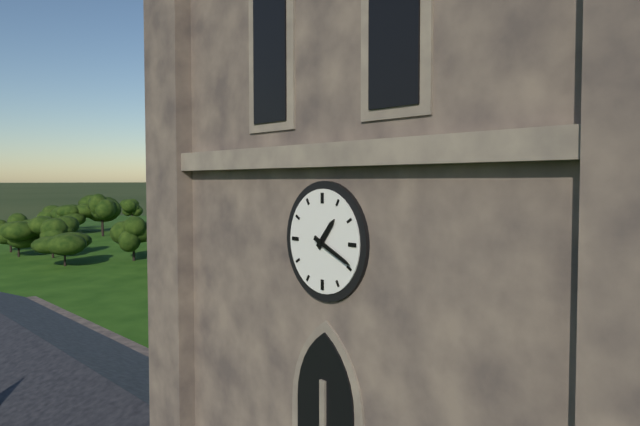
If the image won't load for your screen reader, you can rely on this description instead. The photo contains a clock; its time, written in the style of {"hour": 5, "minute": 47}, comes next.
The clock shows {"hour": 1, "minute": 19}
